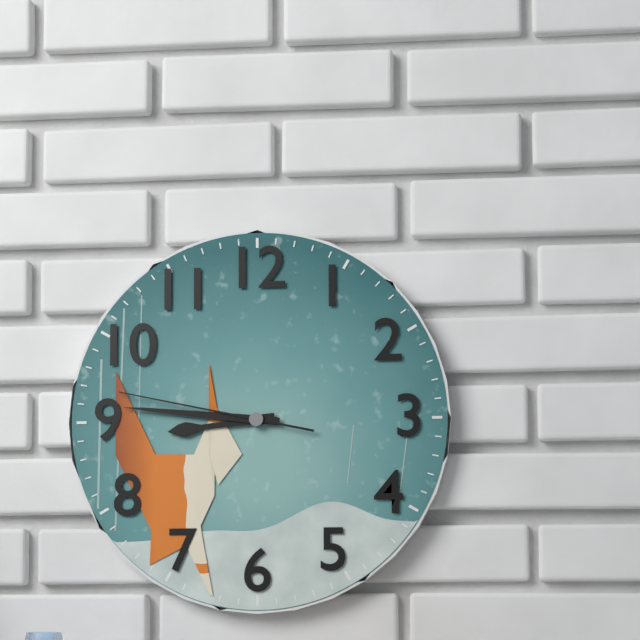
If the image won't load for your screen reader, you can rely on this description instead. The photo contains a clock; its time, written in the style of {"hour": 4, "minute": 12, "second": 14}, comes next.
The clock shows {"hour": 8, "minute": 46, "second": 47}
